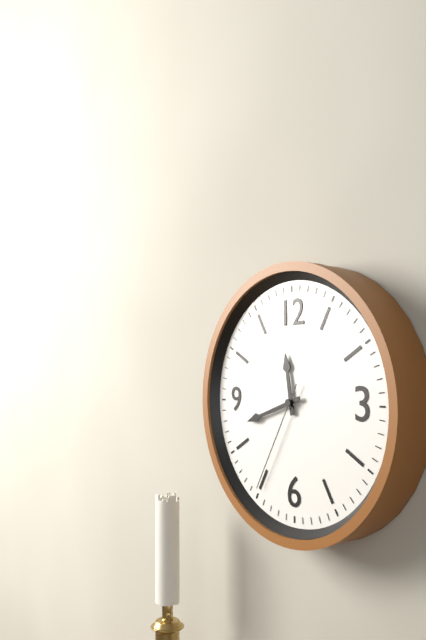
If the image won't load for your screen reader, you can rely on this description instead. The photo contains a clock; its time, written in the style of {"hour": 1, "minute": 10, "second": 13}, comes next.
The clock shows {"hour": 11, "minute": 42, "second": 35}
